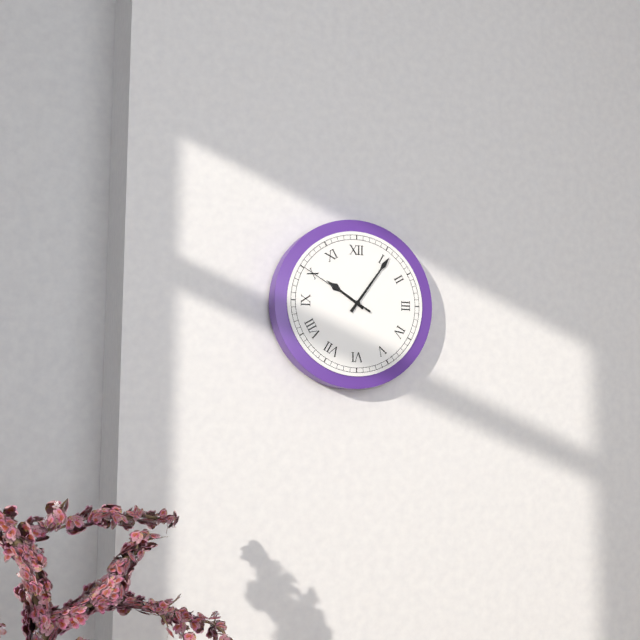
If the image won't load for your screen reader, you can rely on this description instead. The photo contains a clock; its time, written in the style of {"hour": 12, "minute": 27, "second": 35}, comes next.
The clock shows {"hour": 10, "minute": 6, "second": 50}
